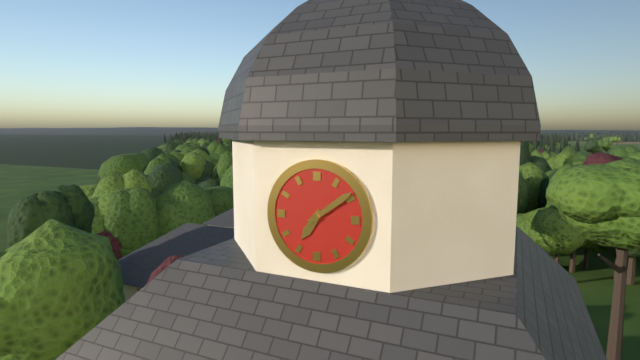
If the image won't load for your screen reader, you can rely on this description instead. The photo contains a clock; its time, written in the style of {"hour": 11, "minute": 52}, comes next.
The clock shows {"hour": 7, "minute": 9}
